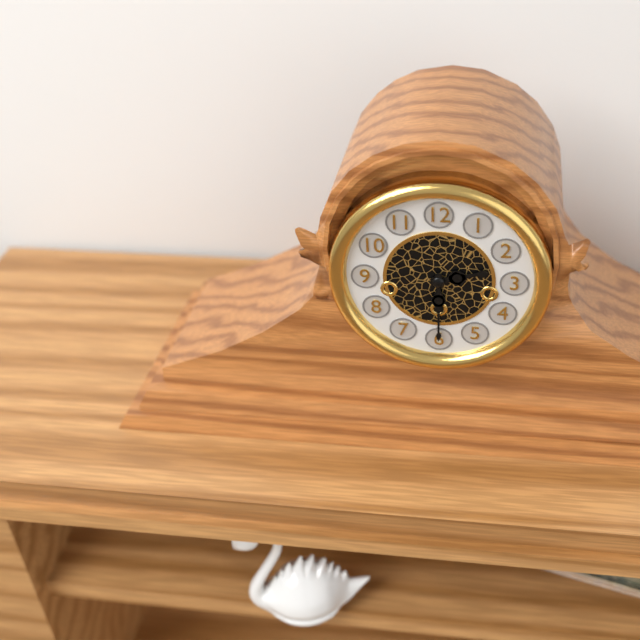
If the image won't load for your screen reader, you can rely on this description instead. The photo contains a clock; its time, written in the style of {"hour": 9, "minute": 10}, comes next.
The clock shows {"hour": 2, "minute": 30}
